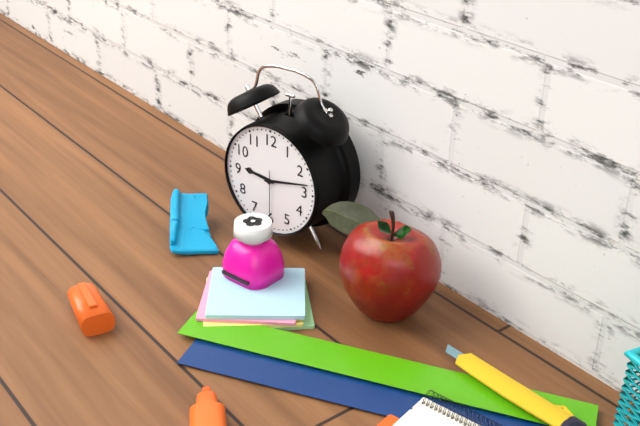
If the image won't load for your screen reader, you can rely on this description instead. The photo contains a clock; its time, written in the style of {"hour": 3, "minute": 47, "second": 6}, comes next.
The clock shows {"hour": 9, "minute": 13, "second": 30}
